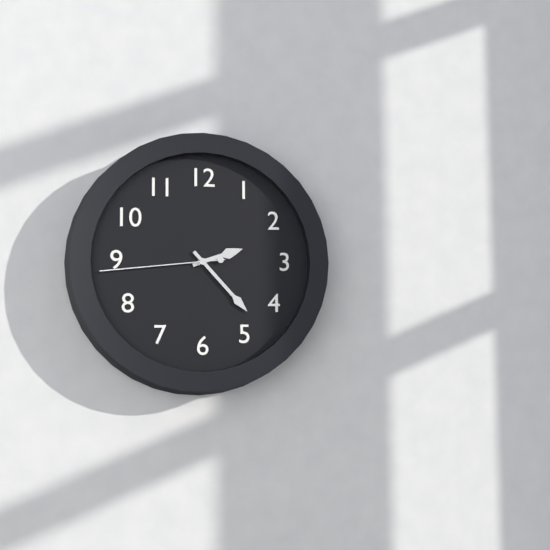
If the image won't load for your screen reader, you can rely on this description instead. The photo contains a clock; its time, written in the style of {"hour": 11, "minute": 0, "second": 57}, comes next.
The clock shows {"hour": 2, "minute": 23, "second": 44}
